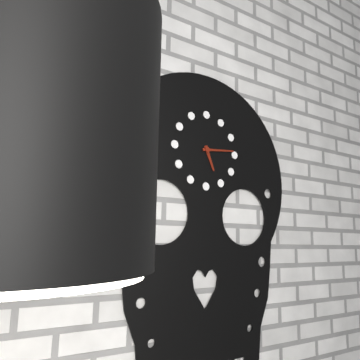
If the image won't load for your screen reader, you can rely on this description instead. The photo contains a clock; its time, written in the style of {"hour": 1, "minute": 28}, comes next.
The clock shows {"hour": 5, "minute": 14}
